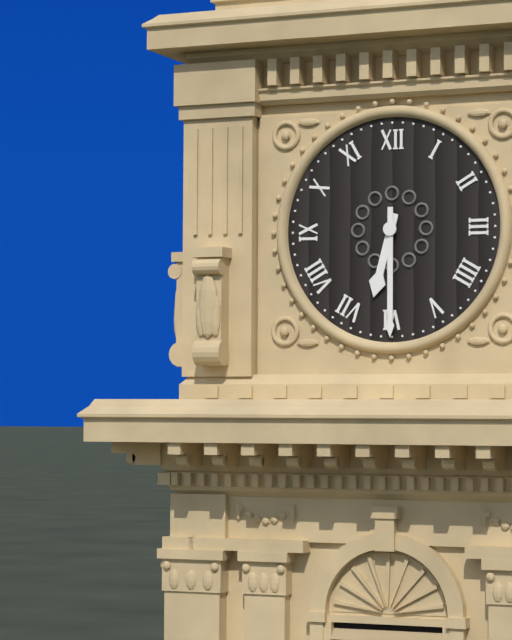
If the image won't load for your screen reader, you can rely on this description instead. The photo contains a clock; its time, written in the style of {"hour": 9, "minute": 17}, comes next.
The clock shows {"hour": 6, "minute": 30}
